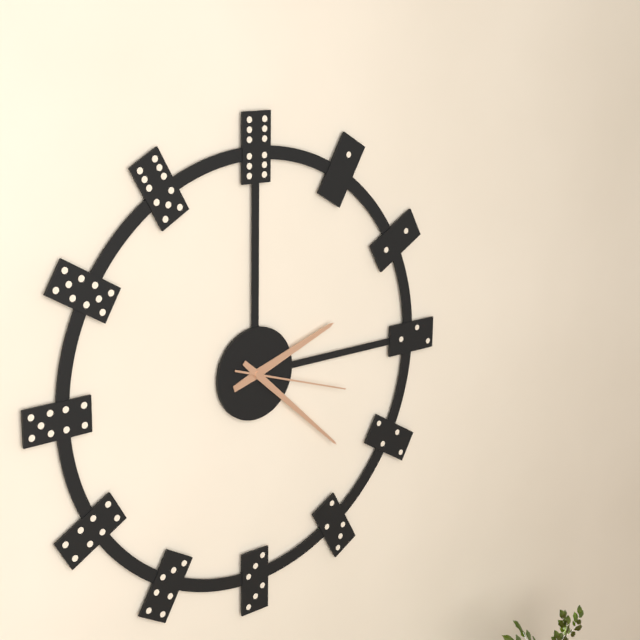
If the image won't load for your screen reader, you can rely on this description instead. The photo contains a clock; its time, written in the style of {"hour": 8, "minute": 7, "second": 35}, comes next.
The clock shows {"hour": 2, "minute": 22, "second": 18}
